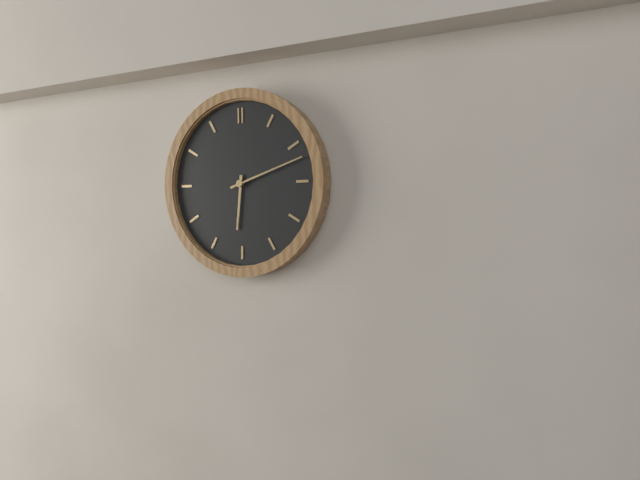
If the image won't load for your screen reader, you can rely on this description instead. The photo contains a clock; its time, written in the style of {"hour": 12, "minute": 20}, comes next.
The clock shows {"hour": 6, "minute": 12}
